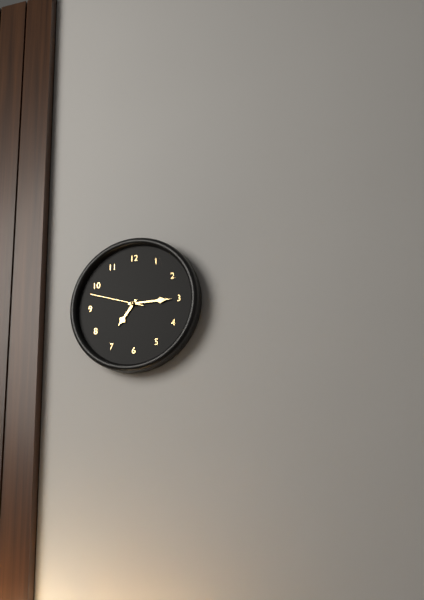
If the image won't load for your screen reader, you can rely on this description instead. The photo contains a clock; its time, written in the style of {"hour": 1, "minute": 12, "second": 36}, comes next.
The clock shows {"hour": 7, "minute": 15, "second": 48}
